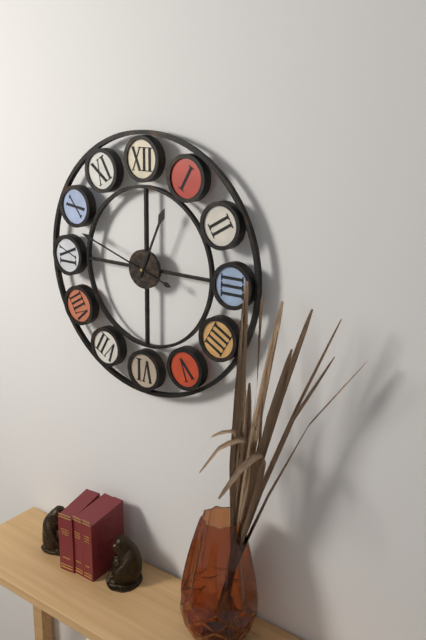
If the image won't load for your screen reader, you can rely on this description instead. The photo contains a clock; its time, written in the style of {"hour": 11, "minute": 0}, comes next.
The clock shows {"hour": 12, "minute": 48}
